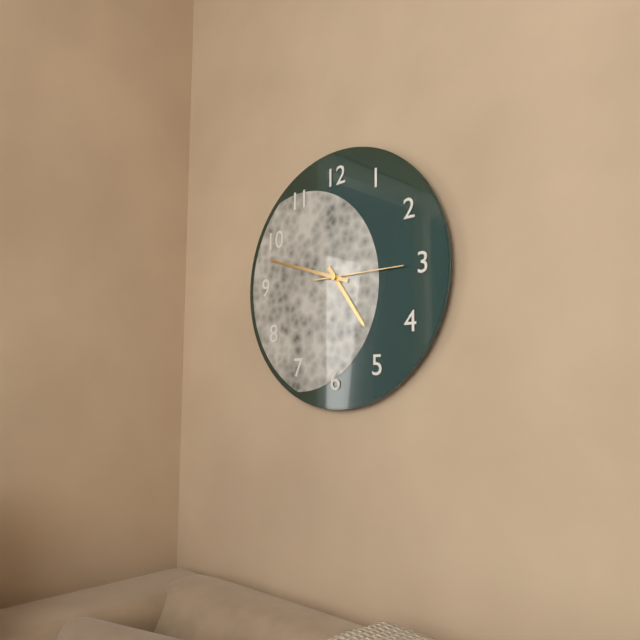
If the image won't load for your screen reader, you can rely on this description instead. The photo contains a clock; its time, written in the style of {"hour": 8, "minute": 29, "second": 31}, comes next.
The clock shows {"hour": 4, "minute": 48, "second": 15}
